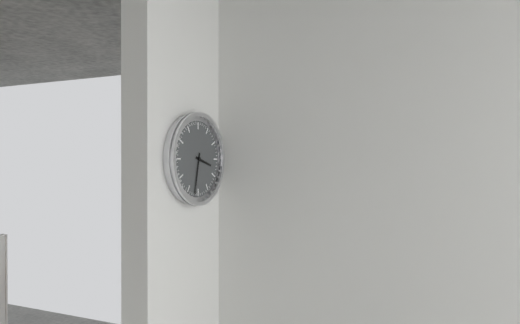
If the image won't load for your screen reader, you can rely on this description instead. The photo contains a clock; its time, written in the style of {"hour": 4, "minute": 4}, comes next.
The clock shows {"hour": 3, "minute": 32}
